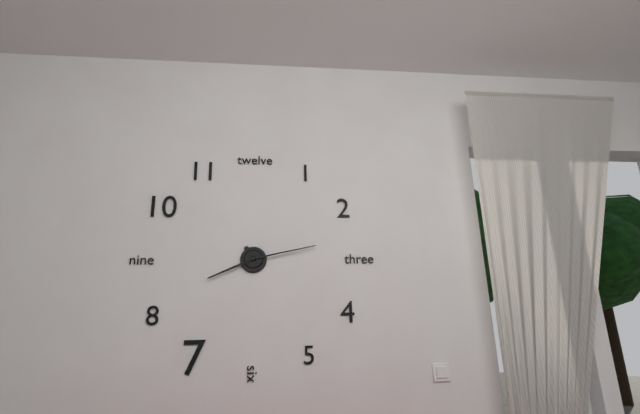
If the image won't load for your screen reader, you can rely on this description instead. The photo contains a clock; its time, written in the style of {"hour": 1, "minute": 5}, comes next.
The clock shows {"hour": 8, "minute": 13}
